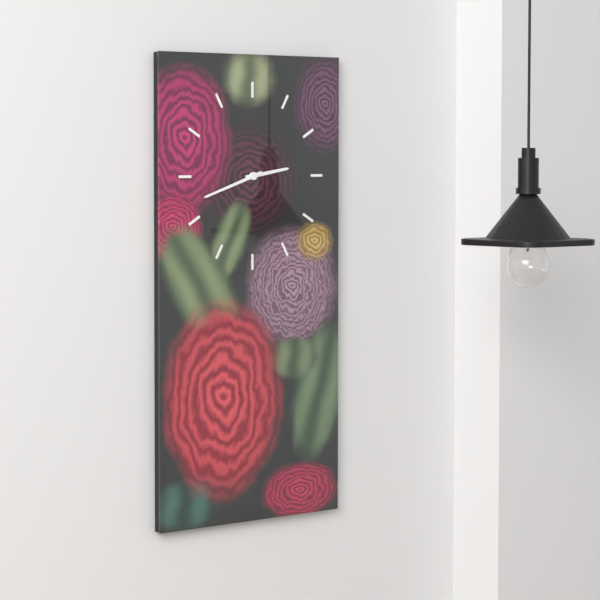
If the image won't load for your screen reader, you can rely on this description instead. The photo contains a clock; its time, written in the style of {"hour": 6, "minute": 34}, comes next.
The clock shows {"hour": 2, "minute": 42}
